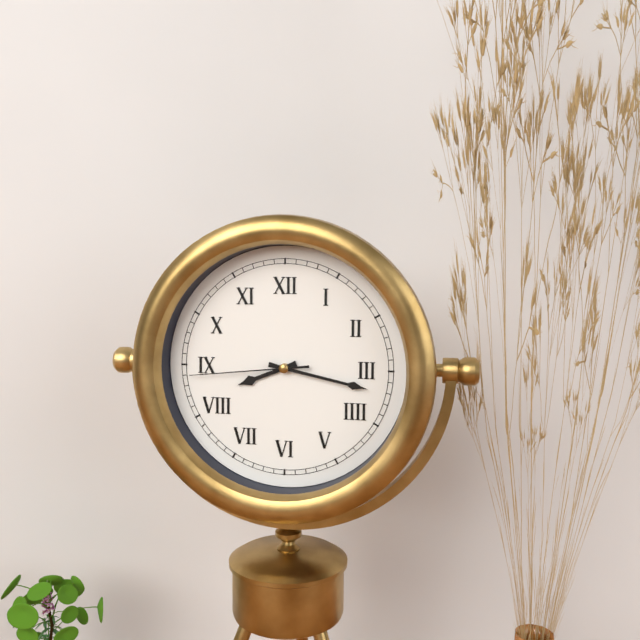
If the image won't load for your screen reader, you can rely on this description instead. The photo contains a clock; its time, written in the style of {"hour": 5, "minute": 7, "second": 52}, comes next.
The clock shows {"hour": 8, "minute": 17, "second": 44}
